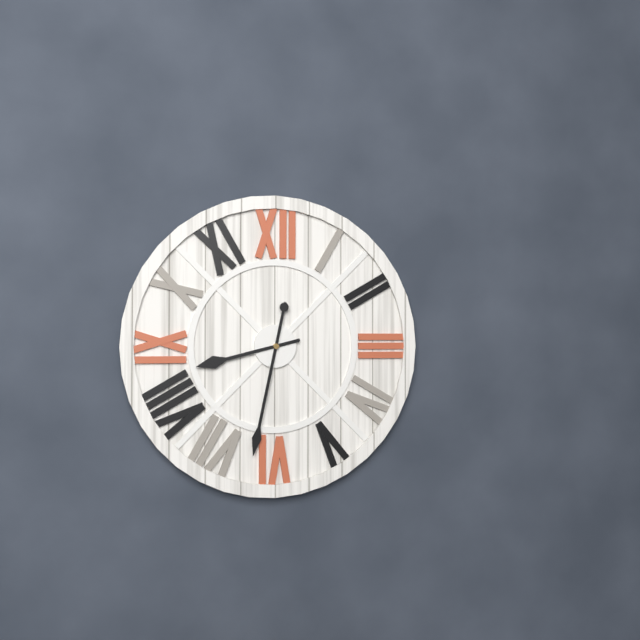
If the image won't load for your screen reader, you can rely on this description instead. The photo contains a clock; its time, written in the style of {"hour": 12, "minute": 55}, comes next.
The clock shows {"hour": 8, "minute": 32}
